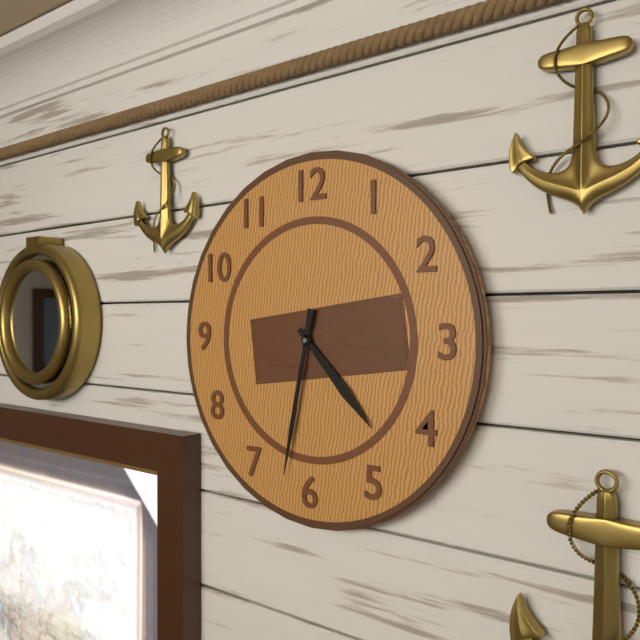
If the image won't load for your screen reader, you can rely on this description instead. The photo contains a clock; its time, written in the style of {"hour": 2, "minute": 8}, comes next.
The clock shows {"hour": 4, "minute": 32}
